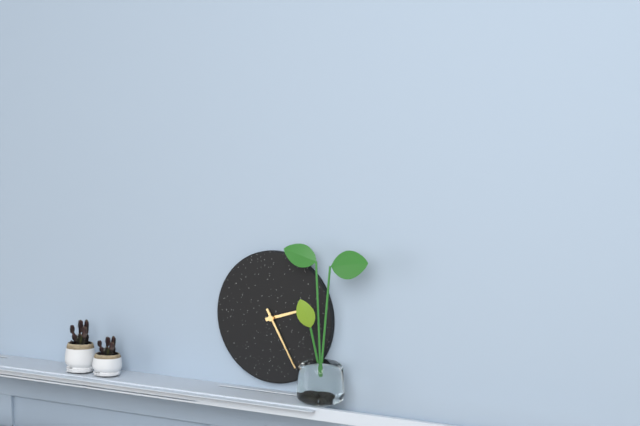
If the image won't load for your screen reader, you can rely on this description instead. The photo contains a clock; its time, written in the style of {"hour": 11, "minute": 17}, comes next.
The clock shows {"hour": 2, "minute": 25}
